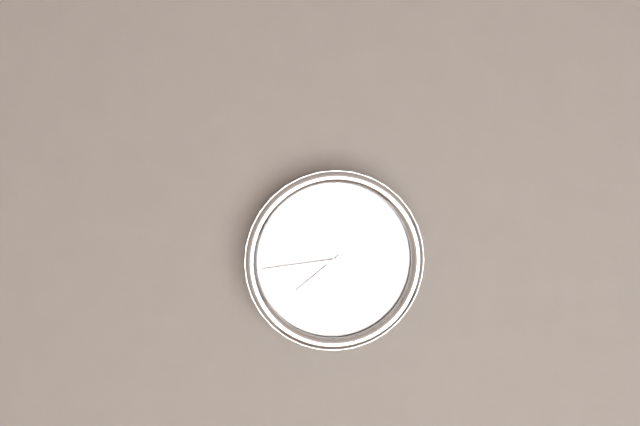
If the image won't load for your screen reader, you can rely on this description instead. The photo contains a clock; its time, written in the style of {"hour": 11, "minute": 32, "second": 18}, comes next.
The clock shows {"hour": 7, "minute": 44, "second": 24}
